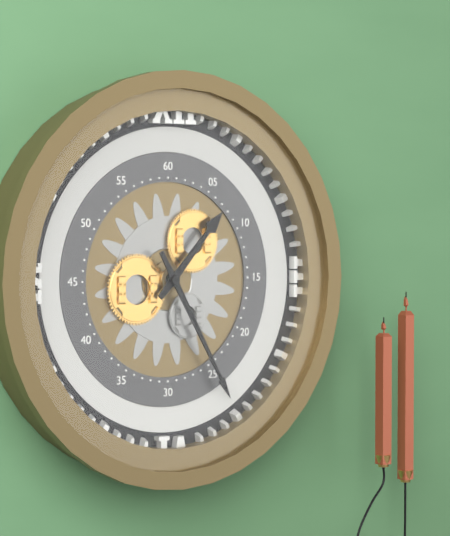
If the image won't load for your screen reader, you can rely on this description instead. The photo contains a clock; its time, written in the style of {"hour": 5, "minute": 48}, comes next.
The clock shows {"hour": 1, "minute": 25}
